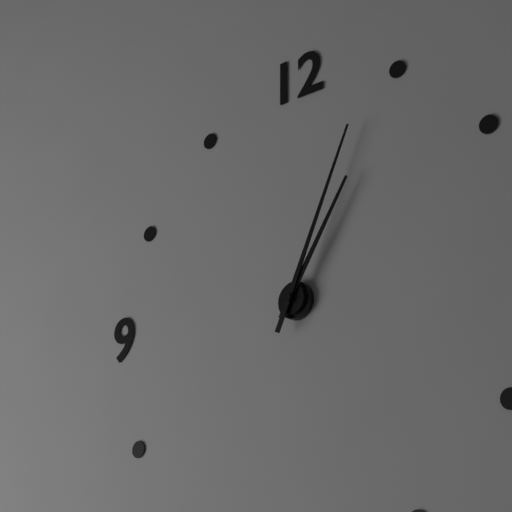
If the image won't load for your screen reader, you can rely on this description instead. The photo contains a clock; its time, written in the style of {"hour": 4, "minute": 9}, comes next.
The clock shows {"hour": 1, "minute": 4}
